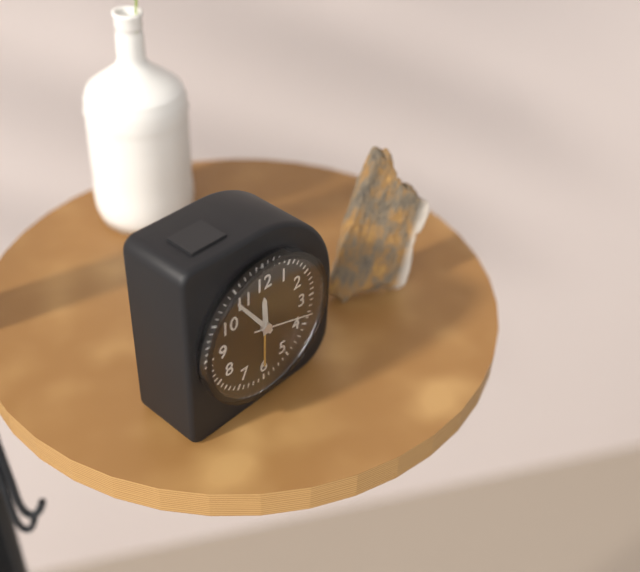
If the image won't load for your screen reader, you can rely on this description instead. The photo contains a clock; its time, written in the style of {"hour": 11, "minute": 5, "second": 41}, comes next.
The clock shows {"hour": 11, "minute": 54, "second": 18}
